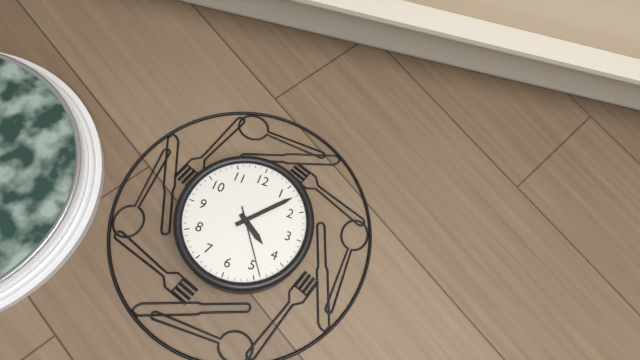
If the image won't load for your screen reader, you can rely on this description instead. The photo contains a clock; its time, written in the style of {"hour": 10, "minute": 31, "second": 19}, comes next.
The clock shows {"hour": 4, "minute": 7, "second": 24}
